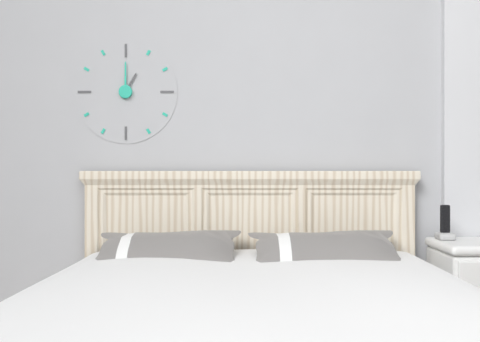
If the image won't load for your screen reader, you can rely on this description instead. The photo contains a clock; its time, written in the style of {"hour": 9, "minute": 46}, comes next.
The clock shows {"hour": 1, "minute": 0}
